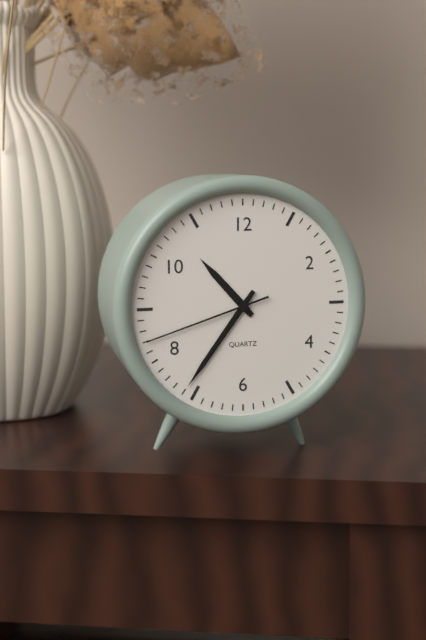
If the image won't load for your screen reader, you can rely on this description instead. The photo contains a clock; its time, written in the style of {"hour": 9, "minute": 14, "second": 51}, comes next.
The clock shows {"hour": 10, "minute": 36, "second": 42}
